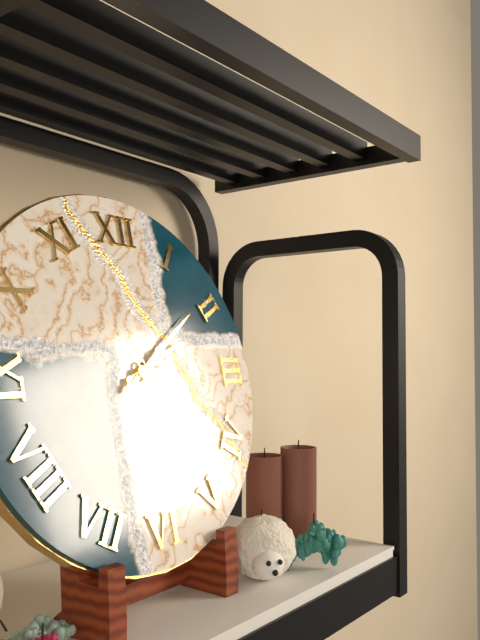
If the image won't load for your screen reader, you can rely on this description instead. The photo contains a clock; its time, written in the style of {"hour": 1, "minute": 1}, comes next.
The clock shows {"hour": 2, "minute": 9}
